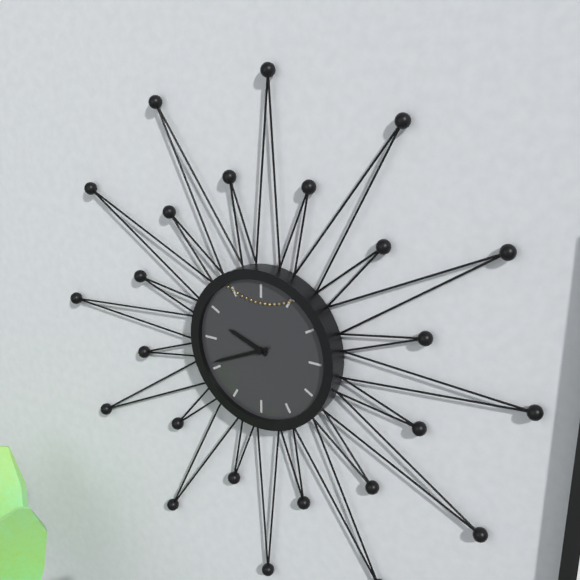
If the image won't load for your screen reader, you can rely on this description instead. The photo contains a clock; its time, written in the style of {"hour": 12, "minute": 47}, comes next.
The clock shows {"hour": 9, "minute": 41}
